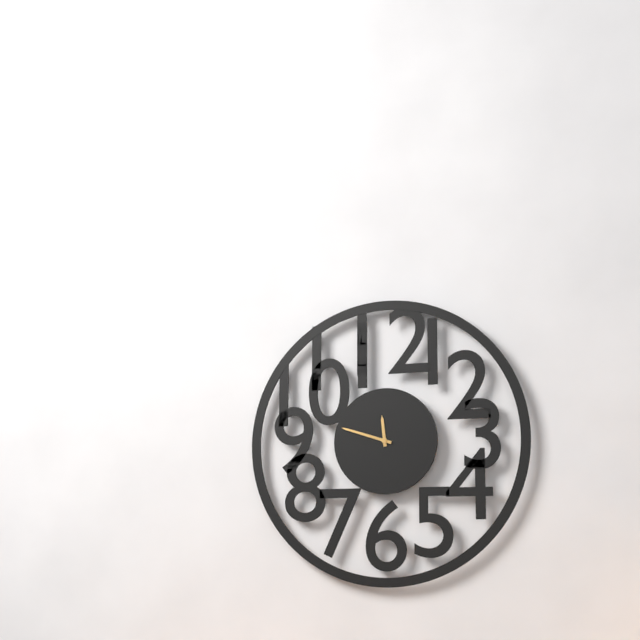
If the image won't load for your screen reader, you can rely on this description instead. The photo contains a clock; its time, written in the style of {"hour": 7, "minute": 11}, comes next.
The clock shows {"hour": 11, "minute": 48}
